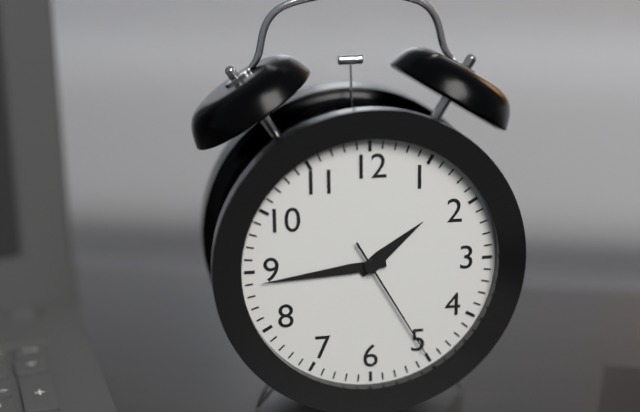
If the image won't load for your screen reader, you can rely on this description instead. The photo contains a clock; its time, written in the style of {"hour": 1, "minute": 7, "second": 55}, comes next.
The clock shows {"hour": 1, "minute": 44, "second": 25}
